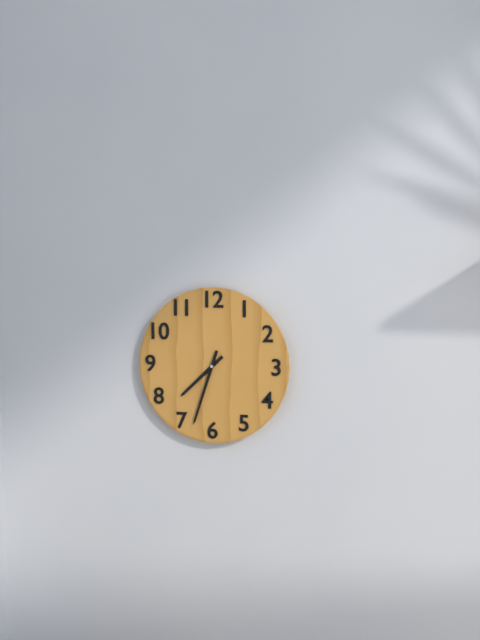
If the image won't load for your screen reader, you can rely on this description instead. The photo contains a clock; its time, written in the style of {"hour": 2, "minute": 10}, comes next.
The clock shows {"hour": 7, "minute": 33}
